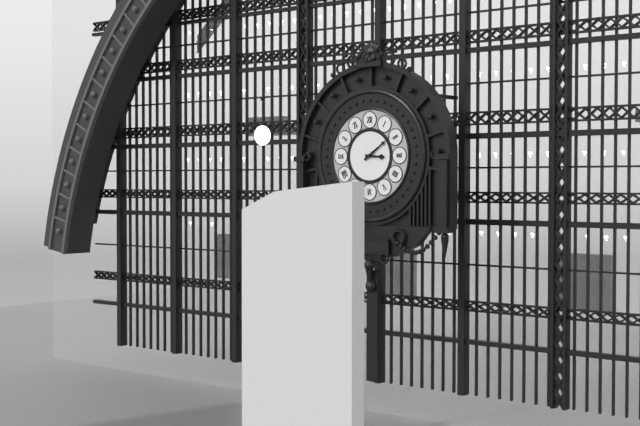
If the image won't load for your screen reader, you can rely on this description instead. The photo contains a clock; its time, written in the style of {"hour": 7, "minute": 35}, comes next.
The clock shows {"hour": 3, "minute": 9}
